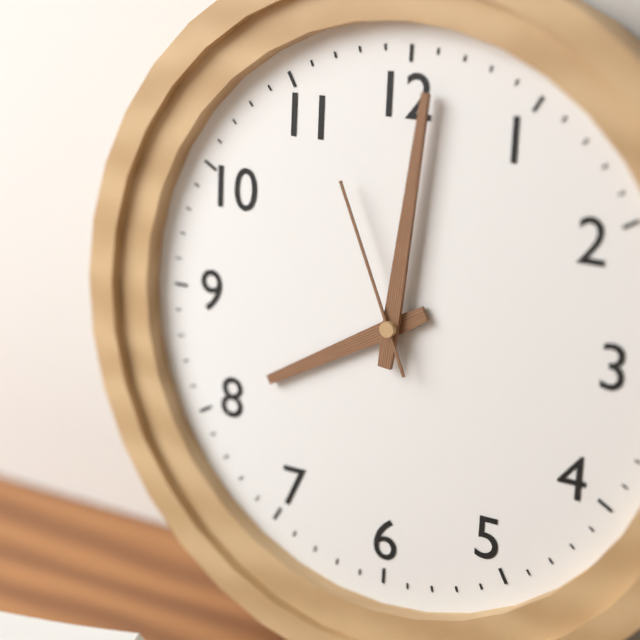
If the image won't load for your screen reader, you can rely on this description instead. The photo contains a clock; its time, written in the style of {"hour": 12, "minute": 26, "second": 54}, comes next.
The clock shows {"hour": 8, "minute": 1, "second": 56}
